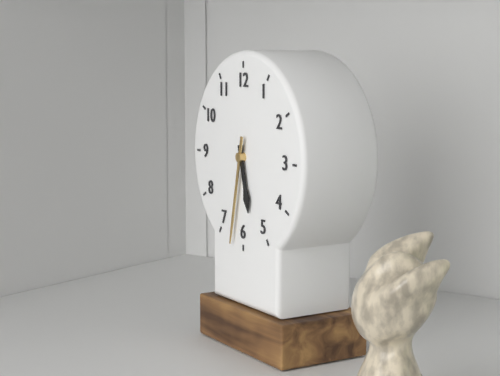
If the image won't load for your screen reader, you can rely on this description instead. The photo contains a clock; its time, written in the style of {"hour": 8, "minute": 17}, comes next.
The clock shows {"hour": 5, "minute": 32}
